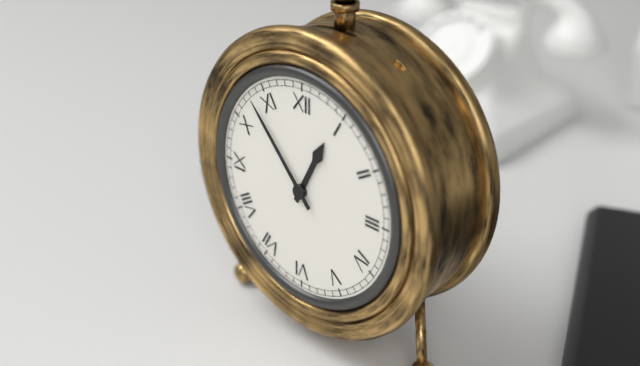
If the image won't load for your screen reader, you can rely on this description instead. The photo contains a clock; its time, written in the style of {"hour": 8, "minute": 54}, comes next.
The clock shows {"hour": 12, "minute": 53}
